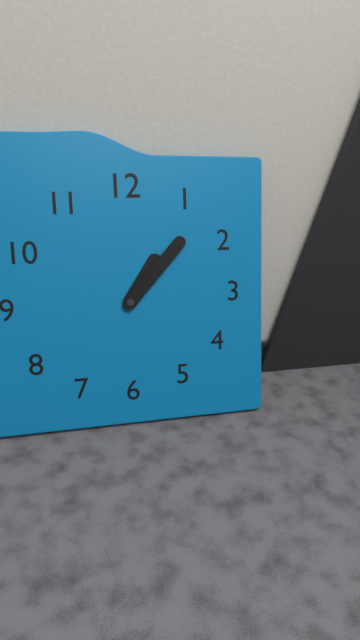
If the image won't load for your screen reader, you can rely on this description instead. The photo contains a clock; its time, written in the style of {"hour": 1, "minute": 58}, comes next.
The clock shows {"hour": 1, "minute": 7}
